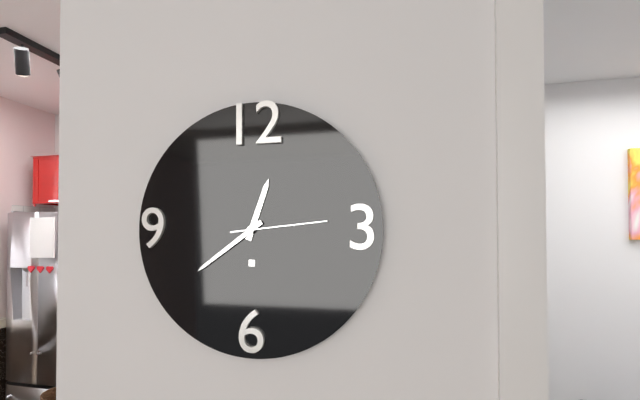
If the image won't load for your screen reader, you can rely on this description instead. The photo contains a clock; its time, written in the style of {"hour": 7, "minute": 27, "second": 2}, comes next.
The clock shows {"hour": 12, "minute": 39, "second": 14}
